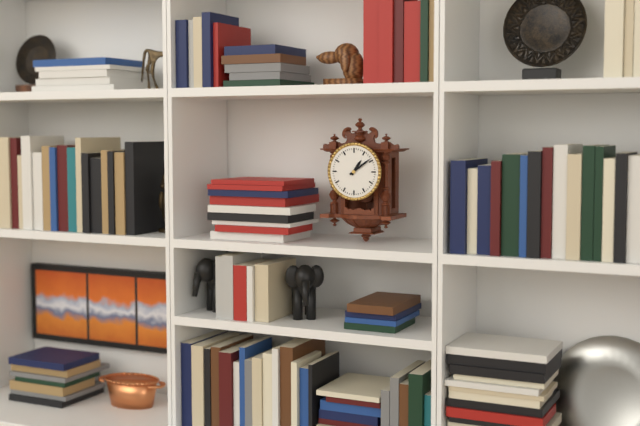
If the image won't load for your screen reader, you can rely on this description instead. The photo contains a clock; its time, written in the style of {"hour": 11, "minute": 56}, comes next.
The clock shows {"hour": 1, "minute": 9}
